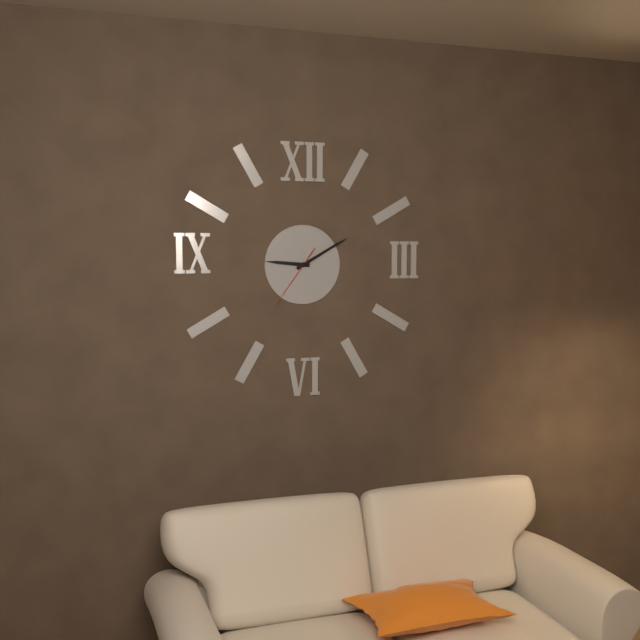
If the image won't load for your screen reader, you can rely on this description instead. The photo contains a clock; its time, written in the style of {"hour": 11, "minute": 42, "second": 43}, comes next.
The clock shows {"hour": 9, "minute": 10, "second": 36}
